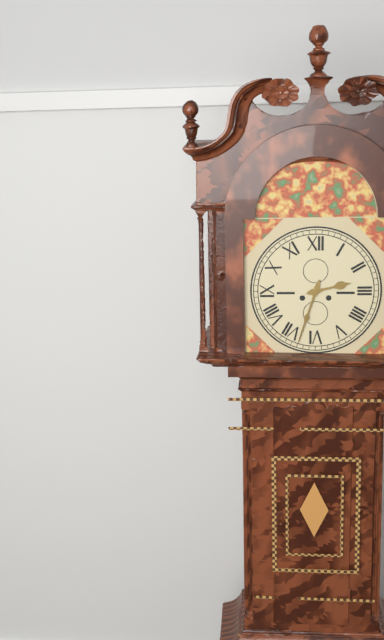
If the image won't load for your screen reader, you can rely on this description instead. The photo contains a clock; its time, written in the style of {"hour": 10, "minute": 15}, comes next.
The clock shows {"hour": 2, "minute": 33}
